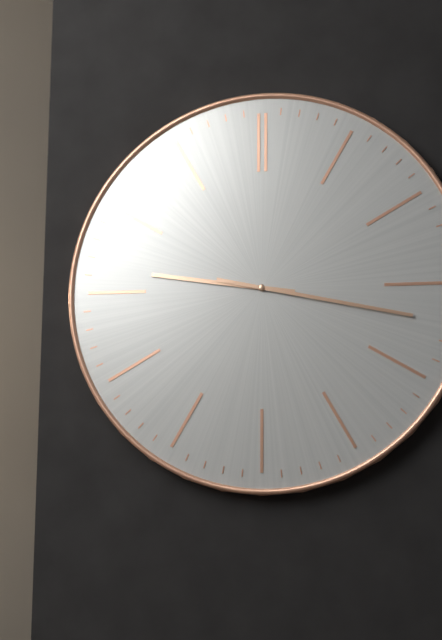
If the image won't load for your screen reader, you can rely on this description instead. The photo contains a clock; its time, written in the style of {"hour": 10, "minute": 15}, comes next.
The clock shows {"hour": 9, "minute": 17}
